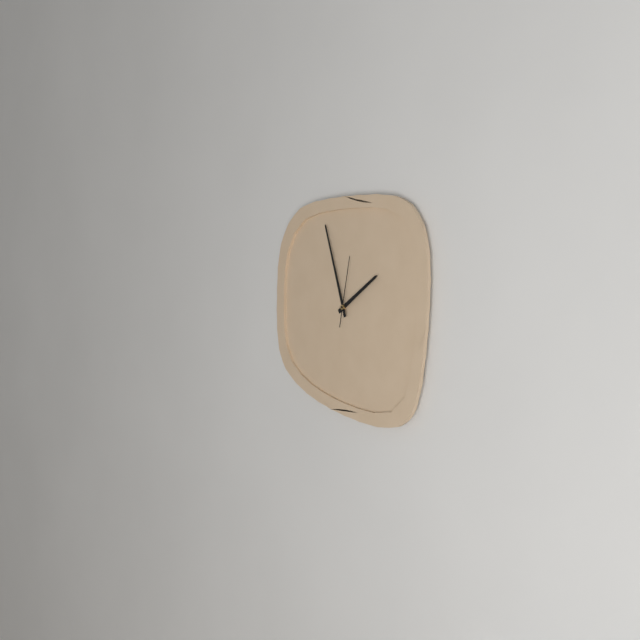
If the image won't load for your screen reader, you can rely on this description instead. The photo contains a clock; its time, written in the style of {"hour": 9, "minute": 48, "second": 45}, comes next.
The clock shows {"hour": 1, "minute": 57, "second": 2}
